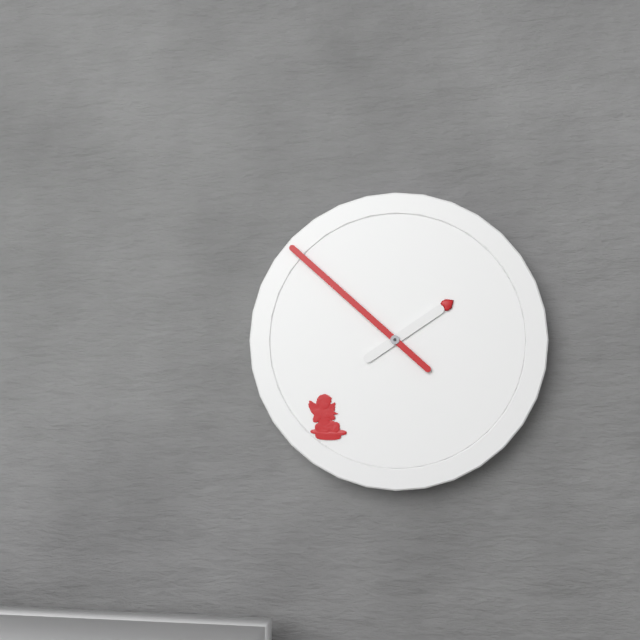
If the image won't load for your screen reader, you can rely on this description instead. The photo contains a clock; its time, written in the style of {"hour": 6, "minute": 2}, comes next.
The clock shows {"hour": 1, "minute": 52}
